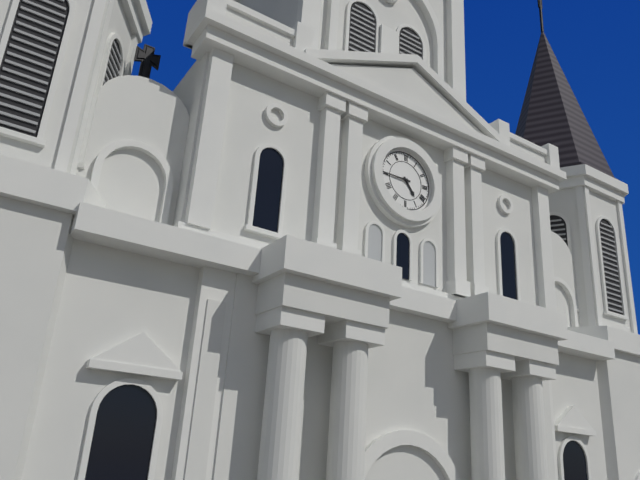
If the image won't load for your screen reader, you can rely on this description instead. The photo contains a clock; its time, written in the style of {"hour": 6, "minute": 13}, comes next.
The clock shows {"hour": 4, "minute": 45}
